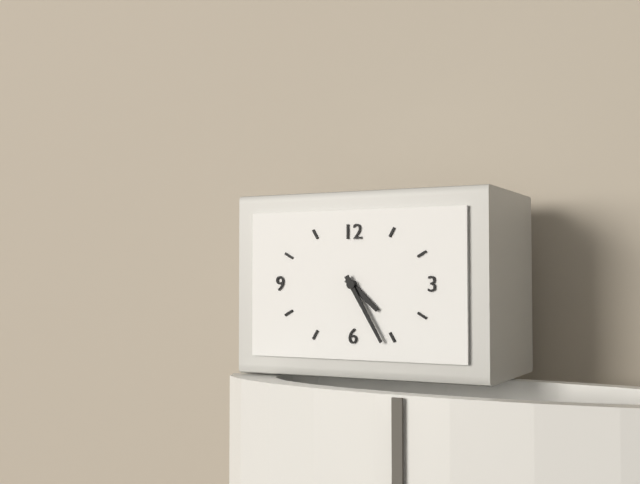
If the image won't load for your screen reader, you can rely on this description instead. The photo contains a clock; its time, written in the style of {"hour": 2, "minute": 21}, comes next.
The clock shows {"hour": 4, "minute": 25}
